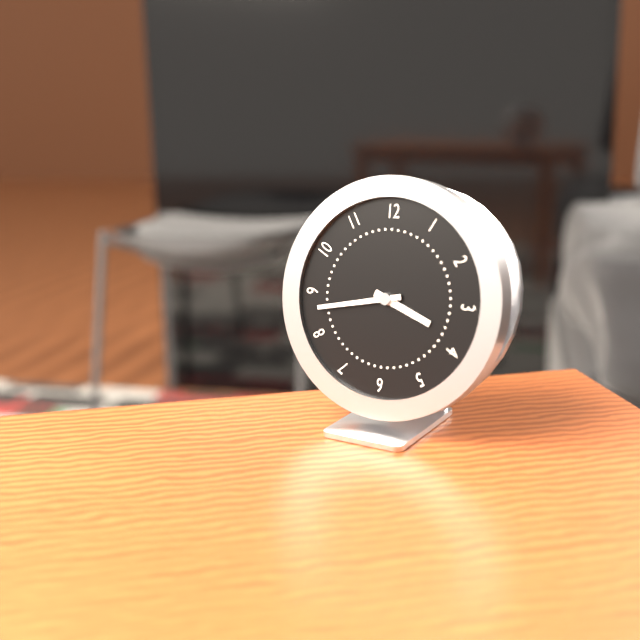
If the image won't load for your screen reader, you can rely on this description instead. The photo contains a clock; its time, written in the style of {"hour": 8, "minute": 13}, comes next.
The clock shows {"hour": 3, "minute": 43}
